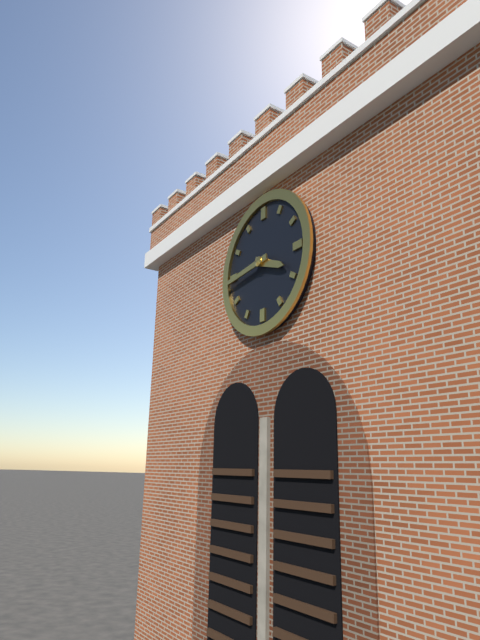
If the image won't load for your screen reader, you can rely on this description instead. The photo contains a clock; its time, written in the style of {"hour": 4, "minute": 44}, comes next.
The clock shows {"hour": 3, "minute": 44}
